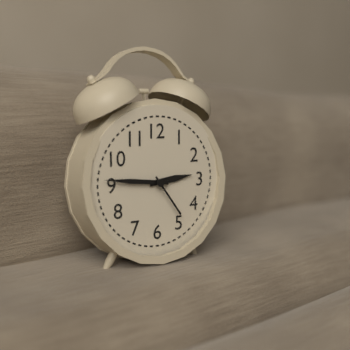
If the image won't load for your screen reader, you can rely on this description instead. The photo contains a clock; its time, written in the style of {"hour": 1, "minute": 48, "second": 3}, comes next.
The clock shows {"hour": 2, "minute": 46, "second": 24}
